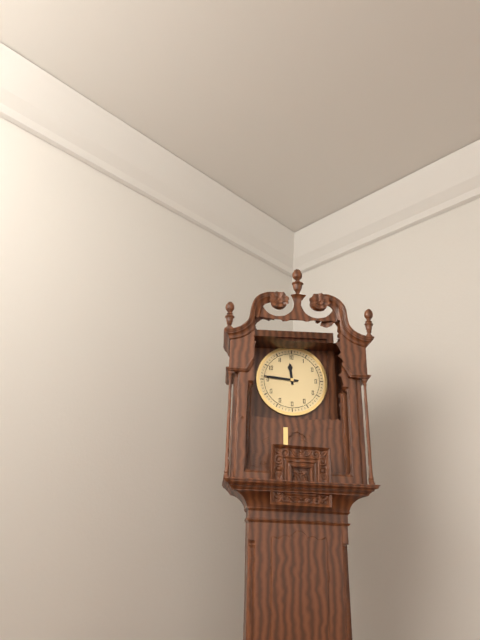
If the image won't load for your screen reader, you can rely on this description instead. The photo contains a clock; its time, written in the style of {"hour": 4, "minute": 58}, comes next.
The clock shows {"hour": 11, "minute": 46}
